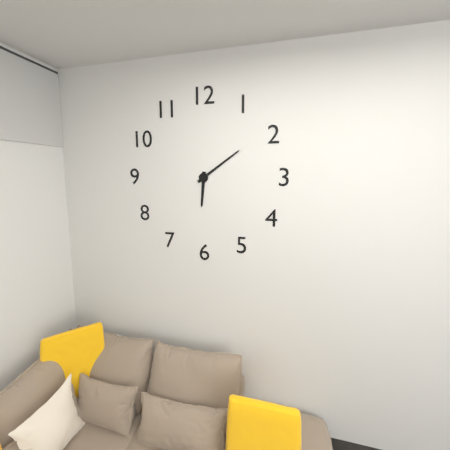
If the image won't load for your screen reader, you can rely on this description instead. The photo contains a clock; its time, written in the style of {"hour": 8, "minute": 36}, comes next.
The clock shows {"hour": 6, "minute": 9}
